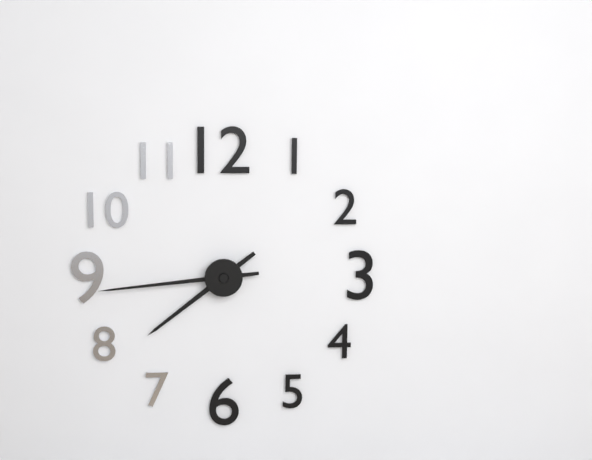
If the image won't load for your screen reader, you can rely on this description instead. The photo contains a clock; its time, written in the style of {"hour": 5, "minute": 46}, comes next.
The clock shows {"hour": 7, "minute": 44}
